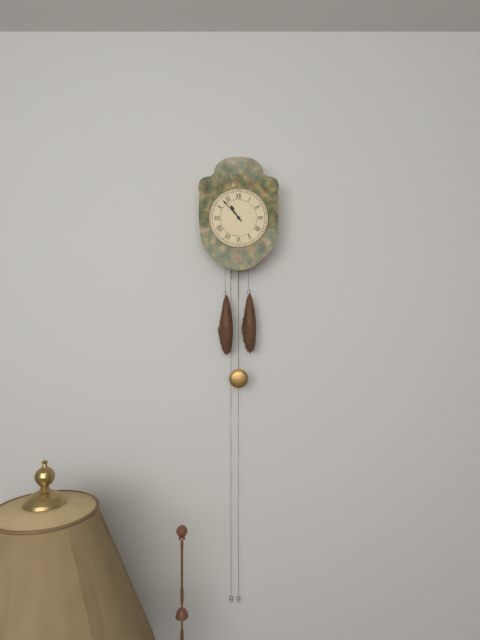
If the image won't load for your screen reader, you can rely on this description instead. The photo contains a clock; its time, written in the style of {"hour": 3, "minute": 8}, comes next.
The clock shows {"hour": 10, "minute": 53}
